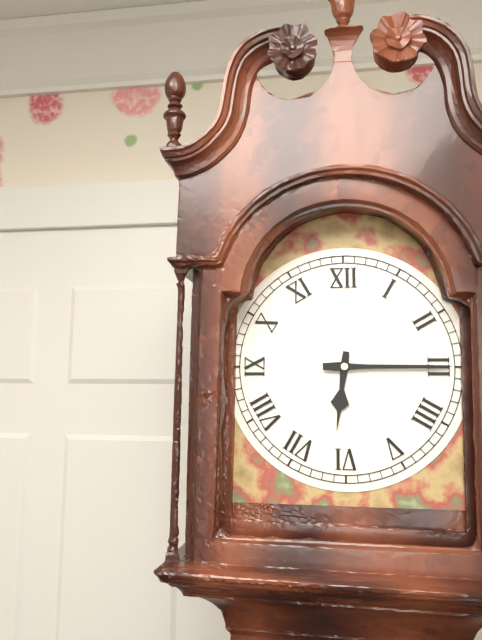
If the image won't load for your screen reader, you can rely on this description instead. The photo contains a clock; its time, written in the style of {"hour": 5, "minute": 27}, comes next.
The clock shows {"hour": 6, "minute": 15}
